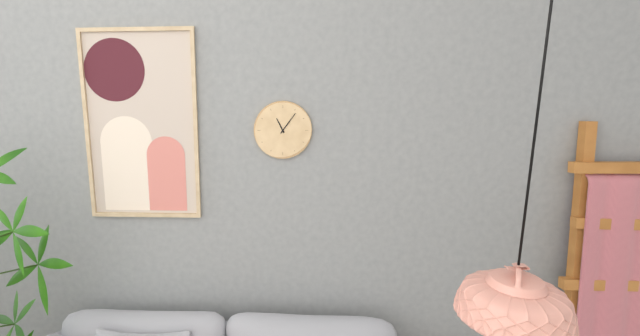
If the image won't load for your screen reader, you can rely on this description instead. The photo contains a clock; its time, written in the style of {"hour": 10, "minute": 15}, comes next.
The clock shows {"hour": 11, "minute": 6}
